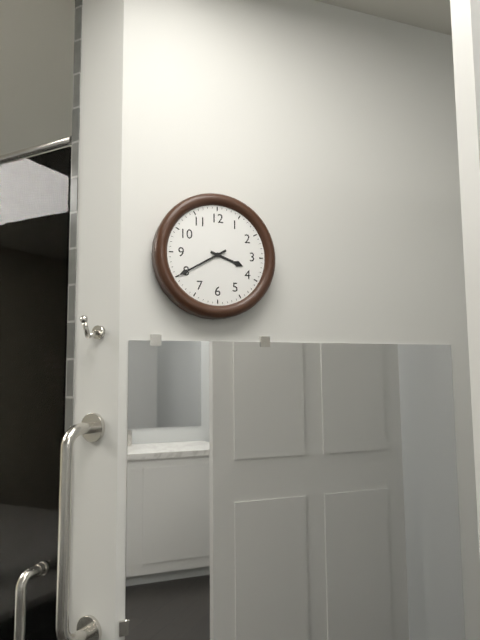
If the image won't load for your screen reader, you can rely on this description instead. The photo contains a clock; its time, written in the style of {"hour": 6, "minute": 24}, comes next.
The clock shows {"hour": 3, "minute": 40}
